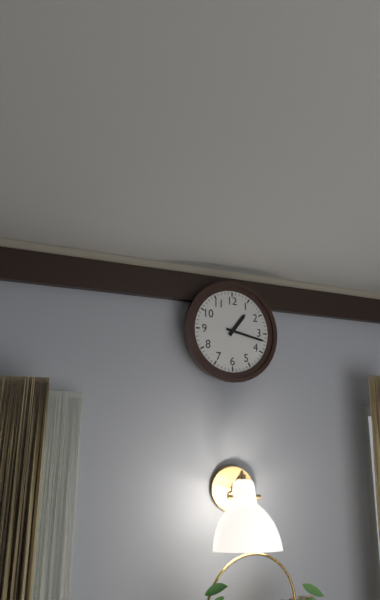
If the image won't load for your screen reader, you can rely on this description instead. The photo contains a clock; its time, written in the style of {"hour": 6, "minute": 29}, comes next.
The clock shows {"hour": 1, "minute": 17}
